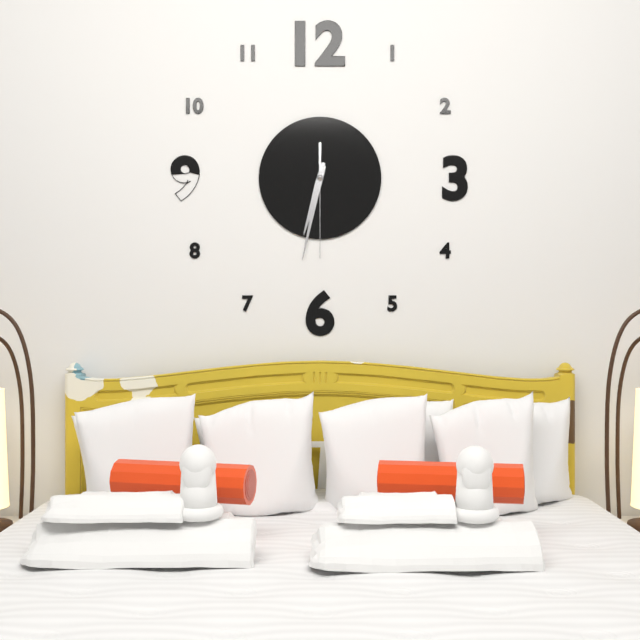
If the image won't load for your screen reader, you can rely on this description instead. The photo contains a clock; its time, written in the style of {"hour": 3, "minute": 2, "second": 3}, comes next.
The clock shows {"hour": 6, "minute": 32, "second": 30}
